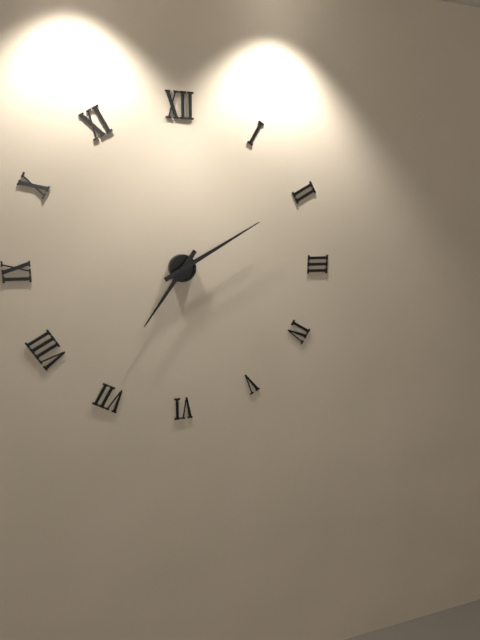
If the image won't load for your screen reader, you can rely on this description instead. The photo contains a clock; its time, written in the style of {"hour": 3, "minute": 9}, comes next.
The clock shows {"hour": 7, "minute": 10}
